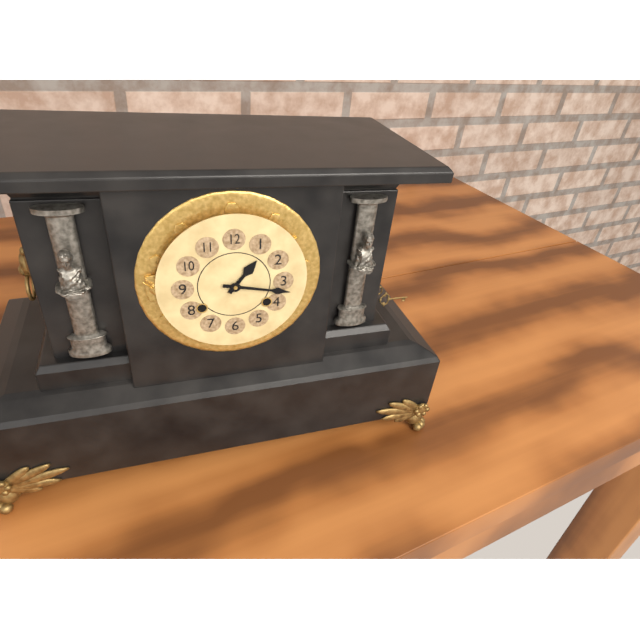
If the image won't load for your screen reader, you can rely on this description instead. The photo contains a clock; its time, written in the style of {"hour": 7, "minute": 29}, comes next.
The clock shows {"hour": 1, "minute": 17}
